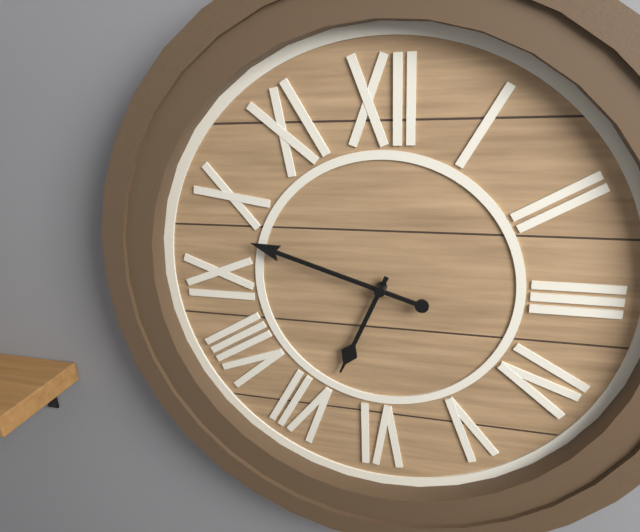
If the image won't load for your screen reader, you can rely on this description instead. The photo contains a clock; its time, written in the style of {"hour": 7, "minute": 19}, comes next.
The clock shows {"hour": 6, "minute": 48}
